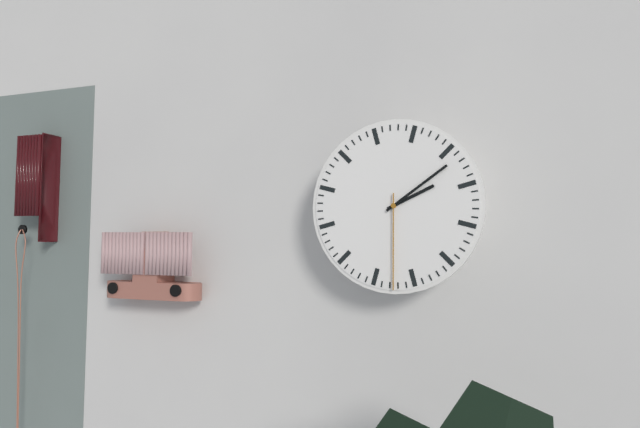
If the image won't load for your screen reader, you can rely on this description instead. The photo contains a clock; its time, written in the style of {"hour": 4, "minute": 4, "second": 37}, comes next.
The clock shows {"hour": 2, "minute": 9, "second": 30}
